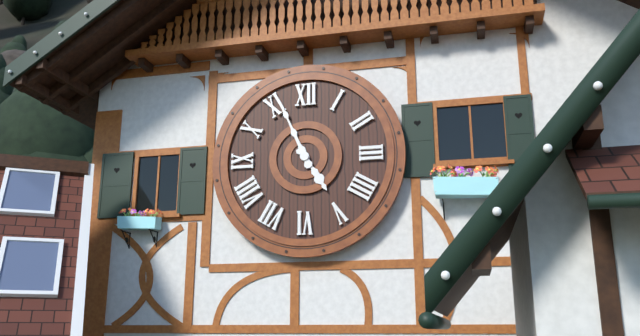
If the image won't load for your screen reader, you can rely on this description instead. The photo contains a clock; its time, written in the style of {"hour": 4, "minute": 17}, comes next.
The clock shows {"hour": 4, "minute": 56}
